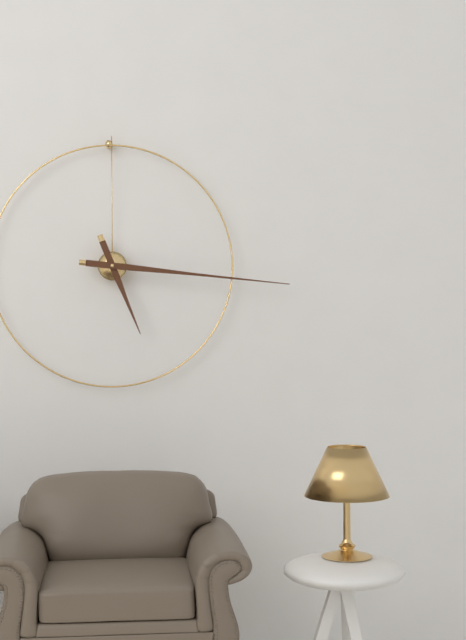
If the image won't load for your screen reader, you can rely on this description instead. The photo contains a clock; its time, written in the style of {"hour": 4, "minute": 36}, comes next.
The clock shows {"hour": 5, "minute": 16}
